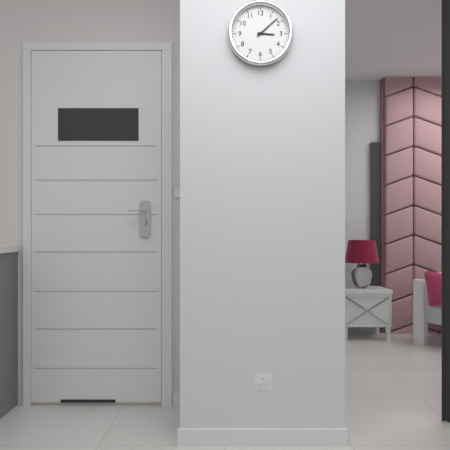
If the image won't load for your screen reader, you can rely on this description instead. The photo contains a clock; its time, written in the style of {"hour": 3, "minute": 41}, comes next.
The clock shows {"hour": 3, "minute": 8}
